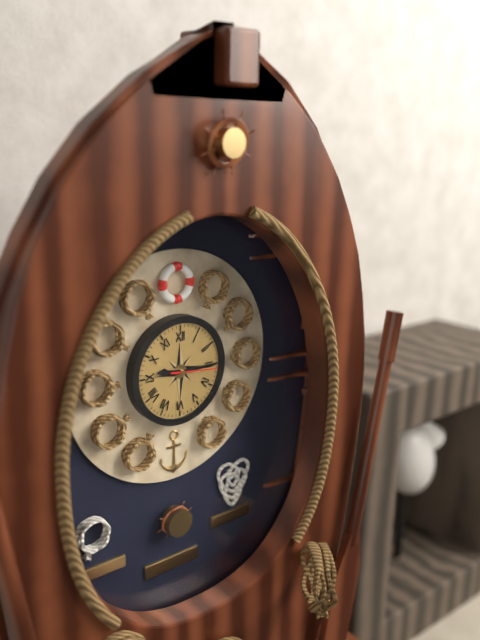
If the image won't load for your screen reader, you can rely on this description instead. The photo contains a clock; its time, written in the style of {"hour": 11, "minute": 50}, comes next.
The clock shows {"hour": 9, "minute": 15}
